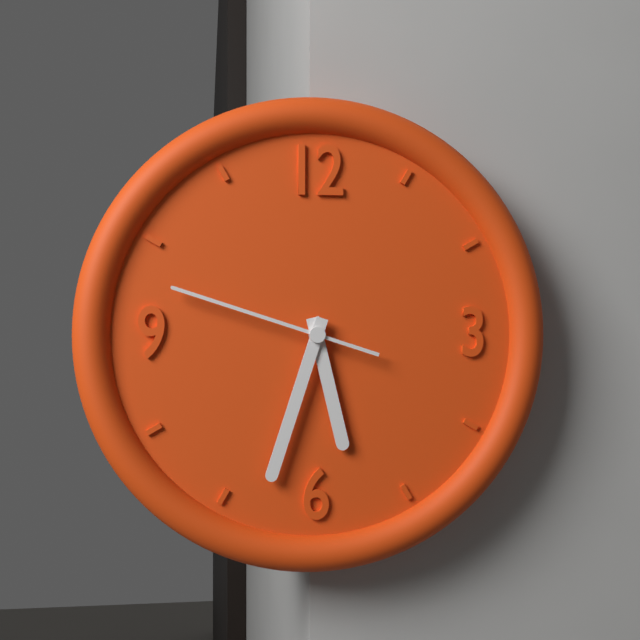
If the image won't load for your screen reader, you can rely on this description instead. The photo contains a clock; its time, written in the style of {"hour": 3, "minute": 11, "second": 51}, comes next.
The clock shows {"hour": 5, "minute": 33, "second": 48}
